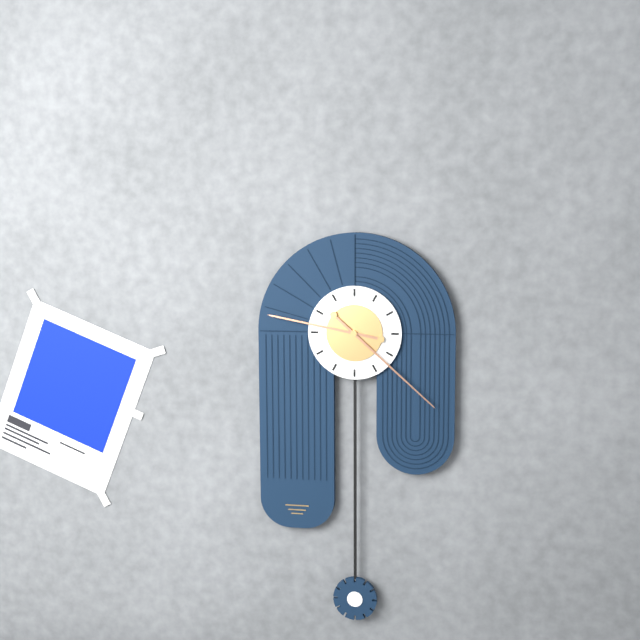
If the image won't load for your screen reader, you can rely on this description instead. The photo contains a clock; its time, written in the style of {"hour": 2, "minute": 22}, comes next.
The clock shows {"hour": 9, "minute": 22}
